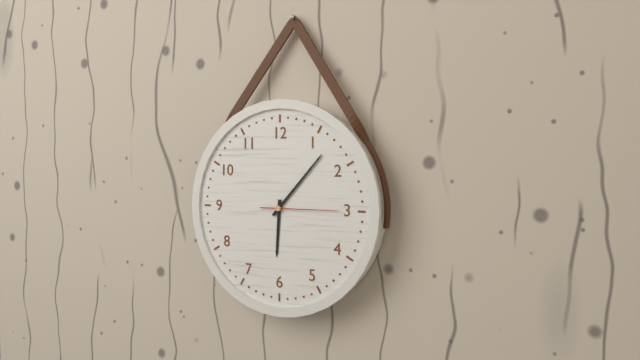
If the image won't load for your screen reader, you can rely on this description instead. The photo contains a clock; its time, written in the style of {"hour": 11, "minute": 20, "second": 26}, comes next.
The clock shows {"hour": 6, "minute": 7, "second": 15}
